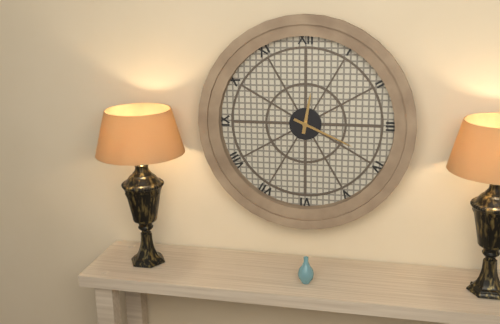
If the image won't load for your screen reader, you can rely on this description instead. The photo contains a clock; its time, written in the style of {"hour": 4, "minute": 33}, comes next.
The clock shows {"hour": 12, "minute": 19}
